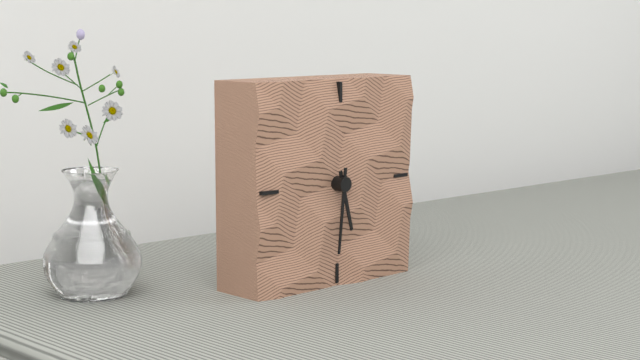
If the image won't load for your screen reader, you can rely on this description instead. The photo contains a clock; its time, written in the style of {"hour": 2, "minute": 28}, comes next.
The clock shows {"hour": 5, "minute": 31}
